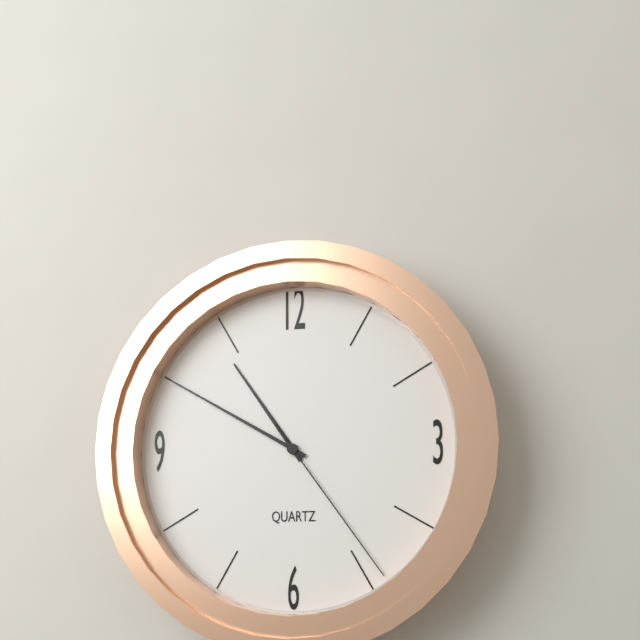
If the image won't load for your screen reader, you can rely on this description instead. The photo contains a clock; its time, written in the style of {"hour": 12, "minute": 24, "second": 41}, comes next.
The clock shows {"hour": 10, "minute": 50, "second": 24}
